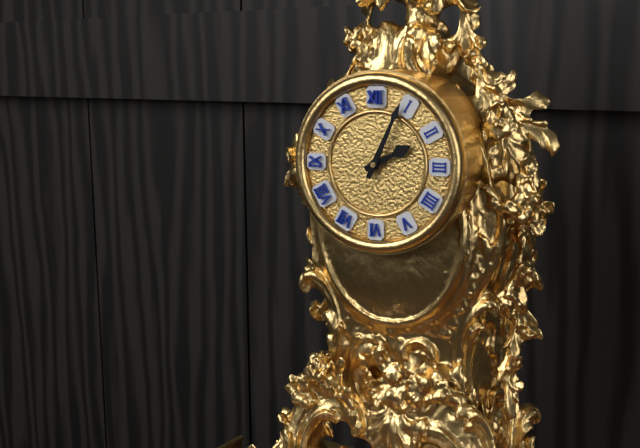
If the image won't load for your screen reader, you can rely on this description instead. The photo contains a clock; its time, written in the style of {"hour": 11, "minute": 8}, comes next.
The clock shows {"hour": 2, "minute": 4}
